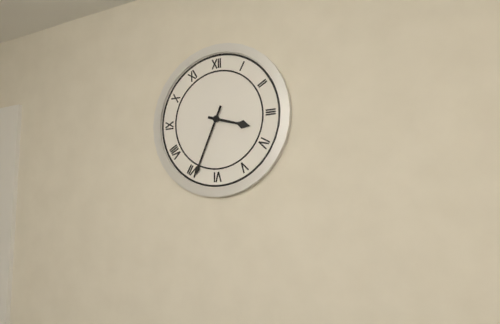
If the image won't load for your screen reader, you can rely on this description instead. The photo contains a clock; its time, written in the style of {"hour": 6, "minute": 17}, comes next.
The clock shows {"hour": 3, "minute": 34}
